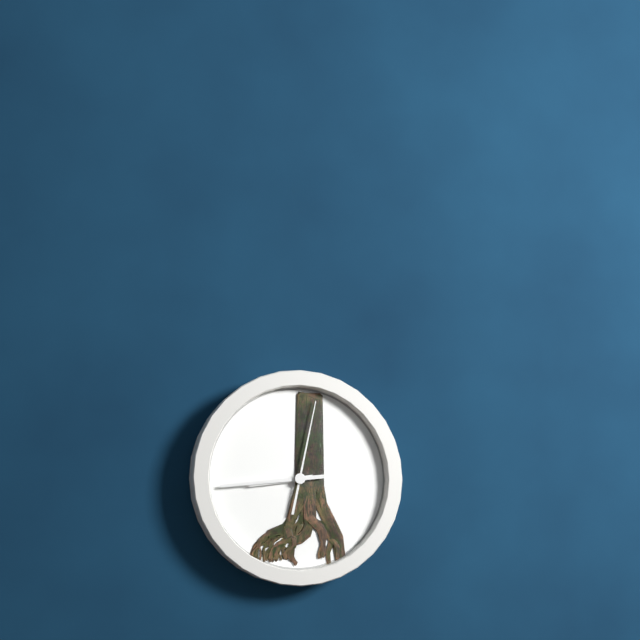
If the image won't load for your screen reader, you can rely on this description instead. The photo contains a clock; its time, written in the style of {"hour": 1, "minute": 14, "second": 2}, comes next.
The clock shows {"hour": 8, "minute": 44, "second": 2}
